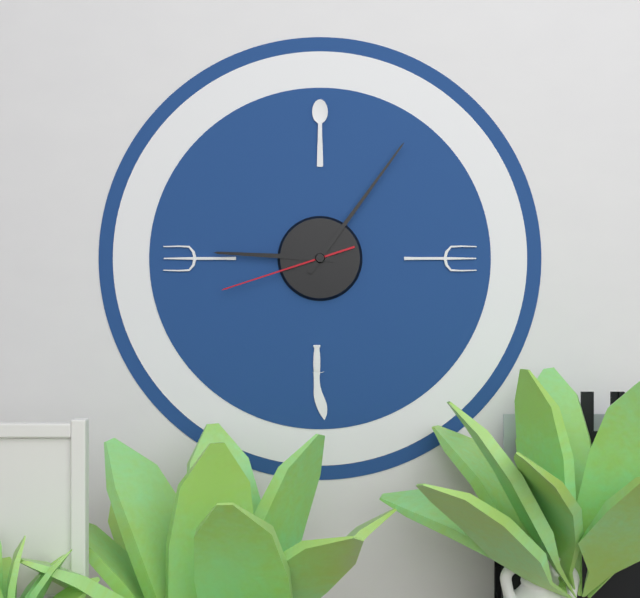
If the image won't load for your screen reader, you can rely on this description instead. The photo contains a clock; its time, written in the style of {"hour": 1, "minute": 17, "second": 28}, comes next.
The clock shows {"hour": 9, "minute": 6, "second": 42}
